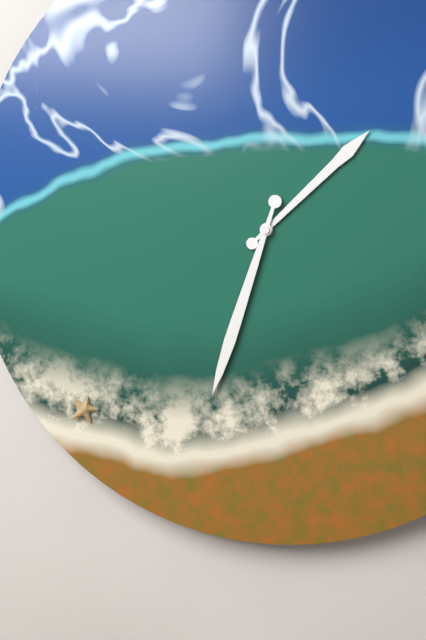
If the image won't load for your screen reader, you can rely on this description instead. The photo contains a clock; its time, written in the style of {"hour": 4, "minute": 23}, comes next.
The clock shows {"hour": 1, "minute": 33}
